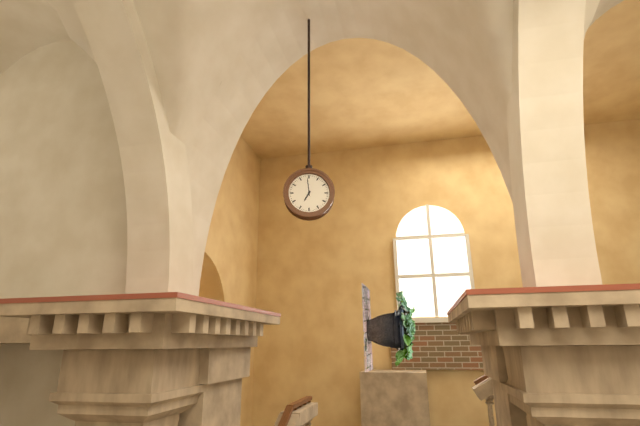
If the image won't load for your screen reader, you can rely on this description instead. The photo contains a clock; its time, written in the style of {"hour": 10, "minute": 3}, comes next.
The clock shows {"hour": 6, "minute": 59}
